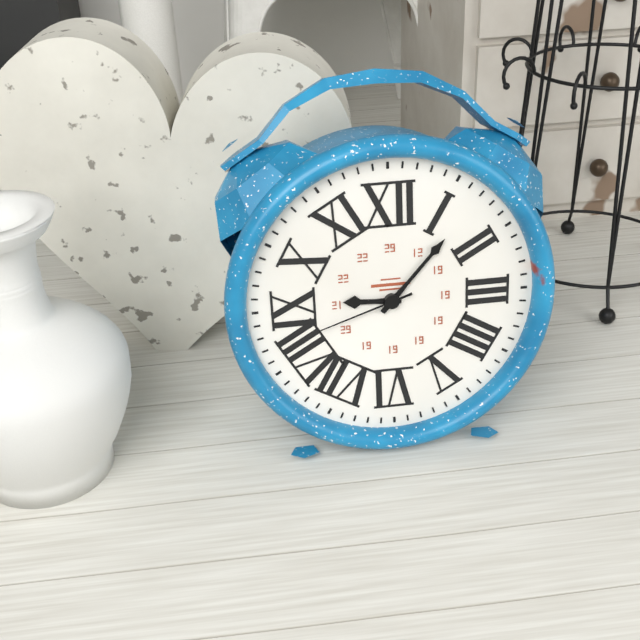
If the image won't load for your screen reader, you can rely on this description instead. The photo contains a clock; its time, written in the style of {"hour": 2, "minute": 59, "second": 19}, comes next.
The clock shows {"hour": 9, "minute": 7, "second": 42}
